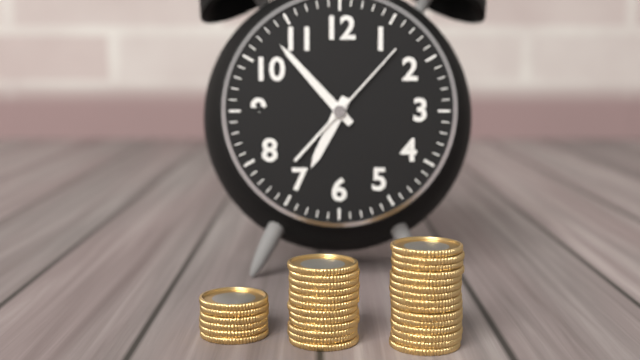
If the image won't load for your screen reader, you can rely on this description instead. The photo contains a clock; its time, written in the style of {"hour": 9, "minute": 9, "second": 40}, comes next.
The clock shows {"hour": 6, "minute": 53, "second": 7}
